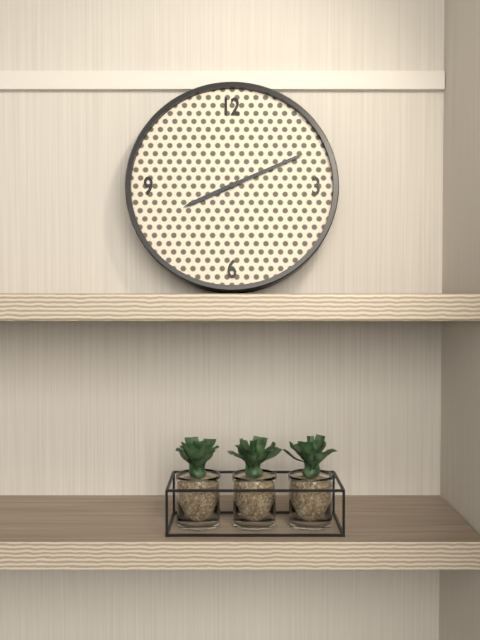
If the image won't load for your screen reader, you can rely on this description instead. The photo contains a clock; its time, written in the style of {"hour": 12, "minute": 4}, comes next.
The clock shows {"hour": 8, "minute": 11}
